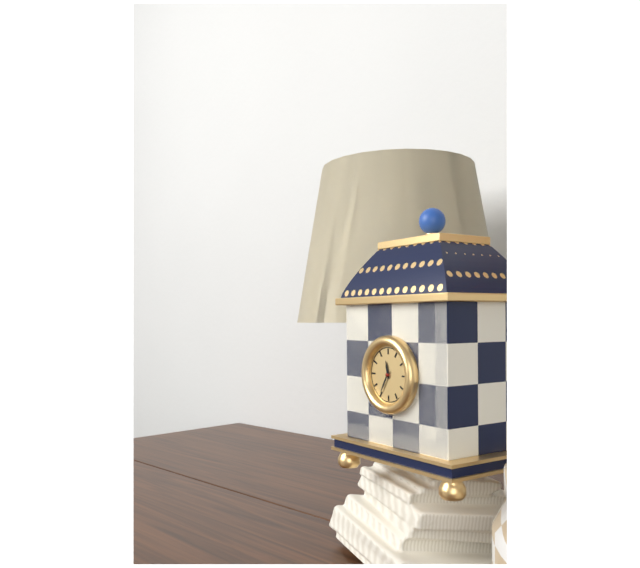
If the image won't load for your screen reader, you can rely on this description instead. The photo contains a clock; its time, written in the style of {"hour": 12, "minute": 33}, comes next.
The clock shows {"hour": 11, "minute": 35}
